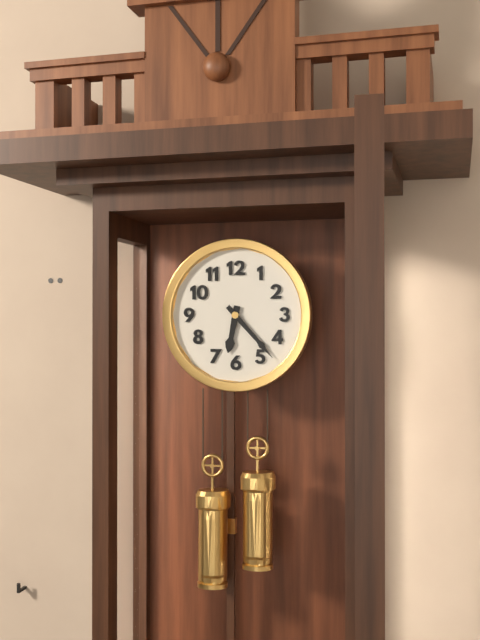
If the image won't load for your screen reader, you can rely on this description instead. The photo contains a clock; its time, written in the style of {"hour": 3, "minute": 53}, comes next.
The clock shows {"hour": 6, "minute": 23}
